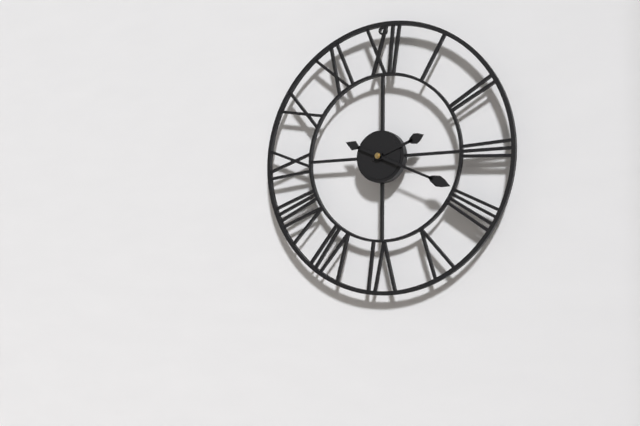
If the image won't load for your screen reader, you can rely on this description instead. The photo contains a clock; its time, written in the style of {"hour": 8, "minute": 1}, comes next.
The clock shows {"hour": 2, "minute": 19}
